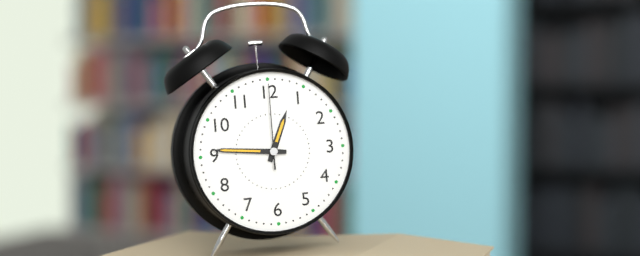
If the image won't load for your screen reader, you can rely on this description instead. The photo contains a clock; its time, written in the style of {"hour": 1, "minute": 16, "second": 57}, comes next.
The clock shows {"hour": 12, "minute": 46, "second": 0}
